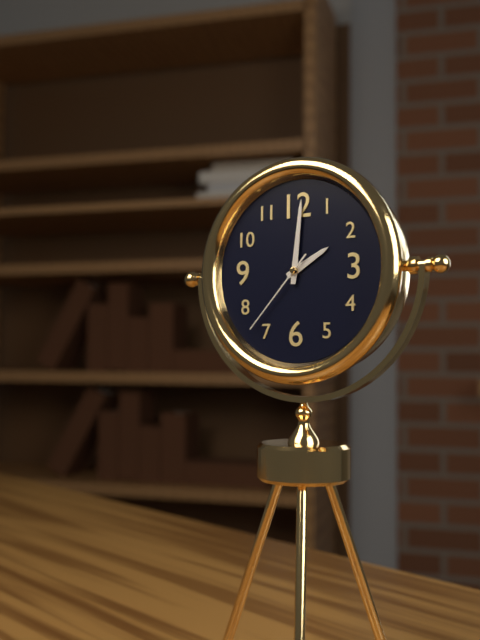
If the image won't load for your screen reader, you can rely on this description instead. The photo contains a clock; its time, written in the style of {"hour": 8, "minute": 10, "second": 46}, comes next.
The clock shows {"hour": 2, "minute": 1, "second": 37}
